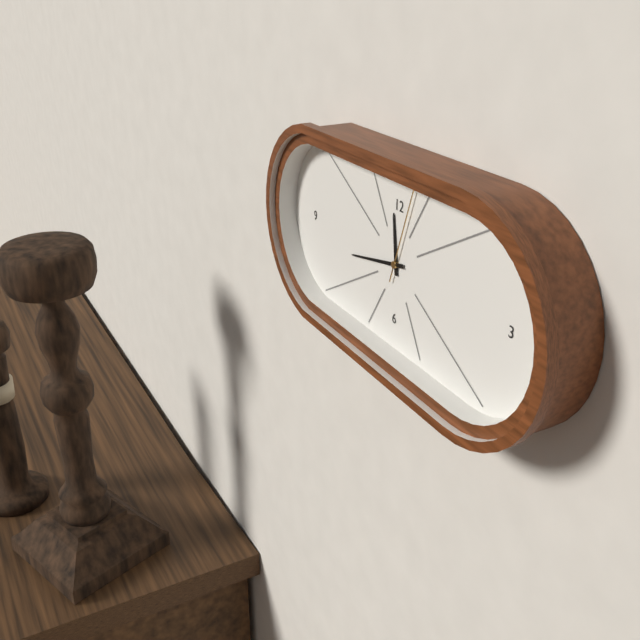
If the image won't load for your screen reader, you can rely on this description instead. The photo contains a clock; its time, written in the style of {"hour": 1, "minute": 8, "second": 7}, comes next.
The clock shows {"hour": 11, "minute": 43, "second": 3}
